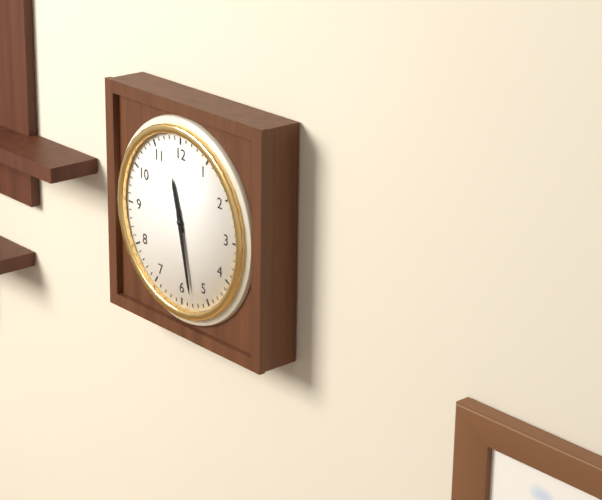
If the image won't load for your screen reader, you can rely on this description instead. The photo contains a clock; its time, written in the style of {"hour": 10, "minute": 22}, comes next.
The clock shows {"hour": 11, "minute": 28}
